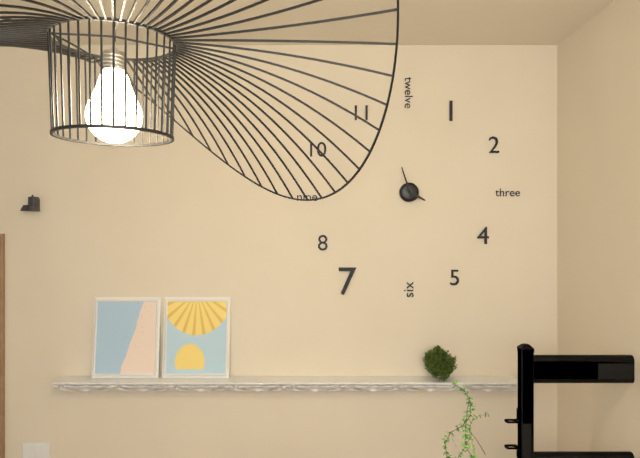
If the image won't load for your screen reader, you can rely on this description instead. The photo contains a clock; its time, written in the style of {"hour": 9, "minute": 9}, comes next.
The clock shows {"hour": 3, "minute": 57}
